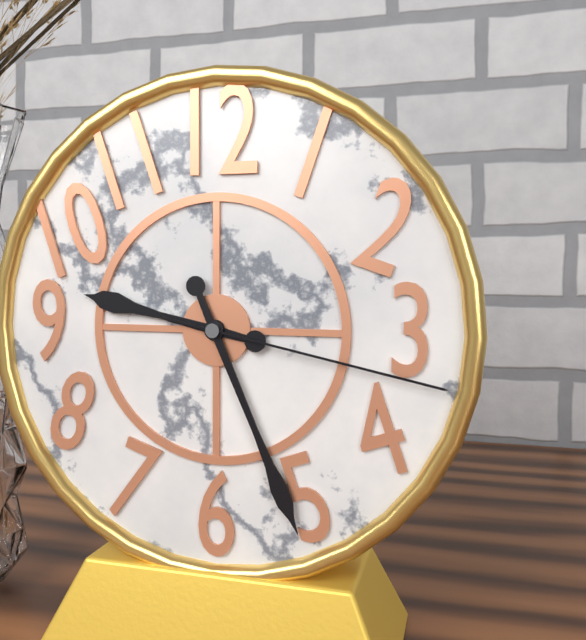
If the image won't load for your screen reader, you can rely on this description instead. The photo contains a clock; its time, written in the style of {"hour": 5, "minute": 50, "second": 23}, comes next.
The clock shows {"hour": 9, "minute": 26, "second": 17}
